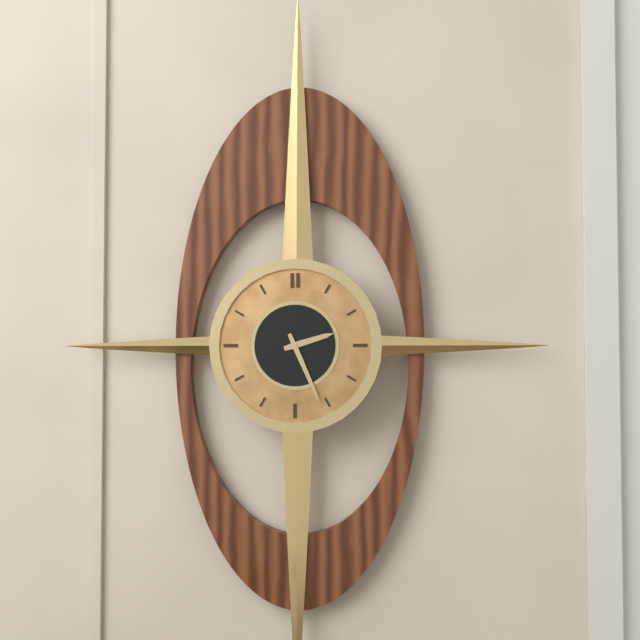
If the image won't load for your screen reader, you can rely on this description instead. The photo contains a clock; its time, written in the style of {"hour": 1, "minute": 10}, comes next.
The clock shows {"hour": 2, "minute": 26}
